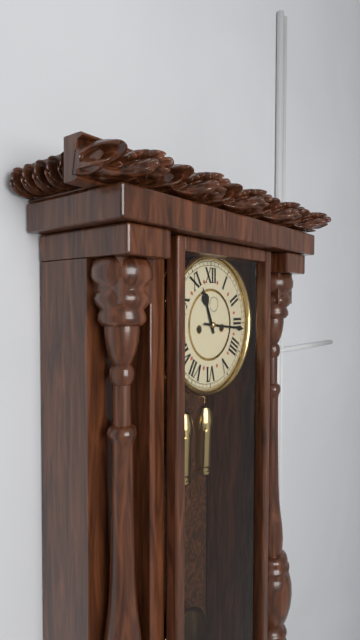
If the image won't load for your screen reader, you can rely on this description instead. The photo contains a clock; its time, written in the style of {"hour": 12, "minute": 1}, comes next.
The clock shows {"hour": 11, "minute": 16}
